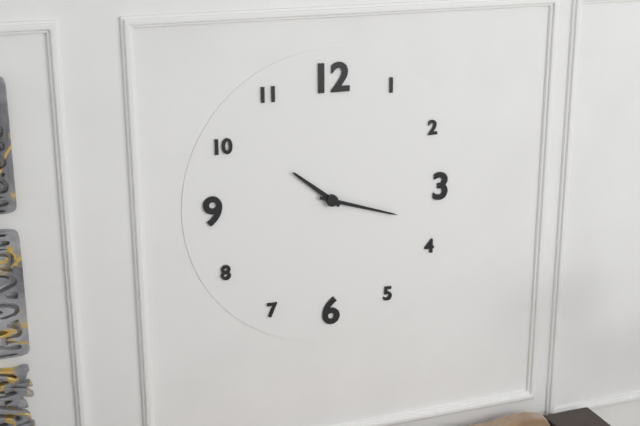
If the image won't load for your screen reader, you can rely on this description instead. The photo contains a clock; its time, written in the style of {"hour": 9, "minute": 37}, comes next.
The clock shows {"hour": 10, "minute": 18}
